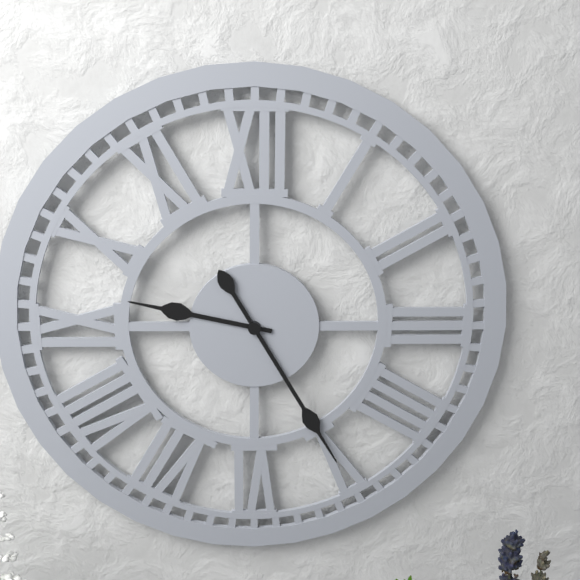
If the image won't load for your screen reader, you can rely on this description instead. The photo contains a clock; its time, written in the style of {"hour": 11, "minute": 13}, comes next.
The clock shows {"hour": 9, "minute": 25}
